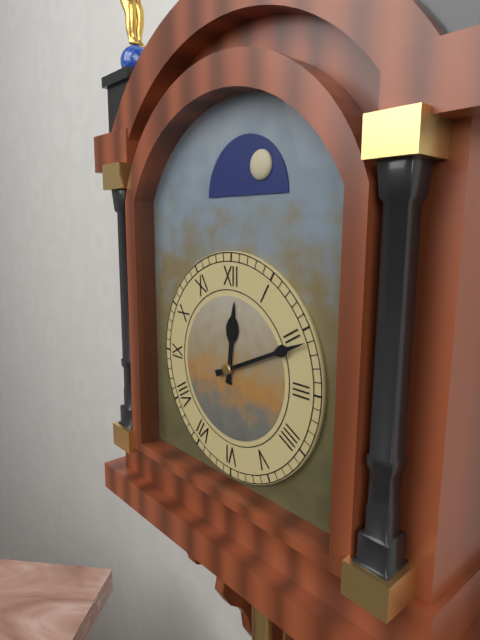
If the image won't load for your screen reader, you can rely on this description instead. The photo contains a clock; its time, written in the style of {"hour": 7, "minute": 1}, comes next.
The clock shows {"hour": 12, "minute": 11}
